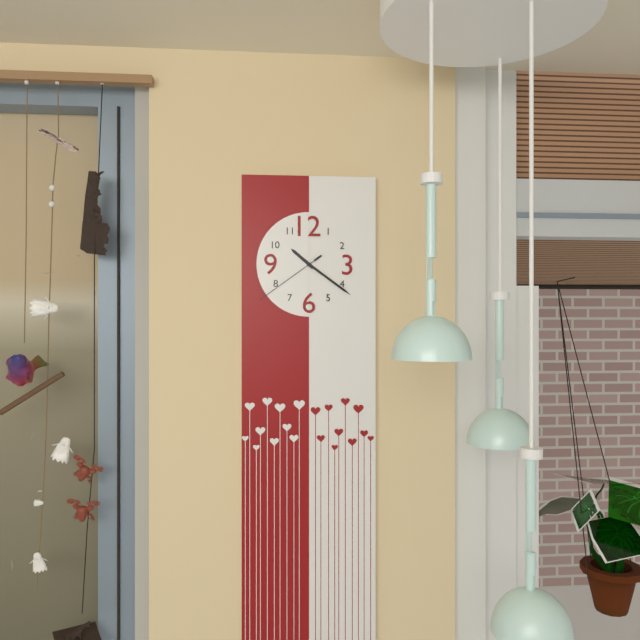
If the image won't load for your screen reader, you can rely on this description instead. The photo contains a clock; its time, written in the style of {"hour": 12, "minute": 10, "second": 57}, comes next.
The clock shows {"hour": 10, "minute": 21, "second": 39}
